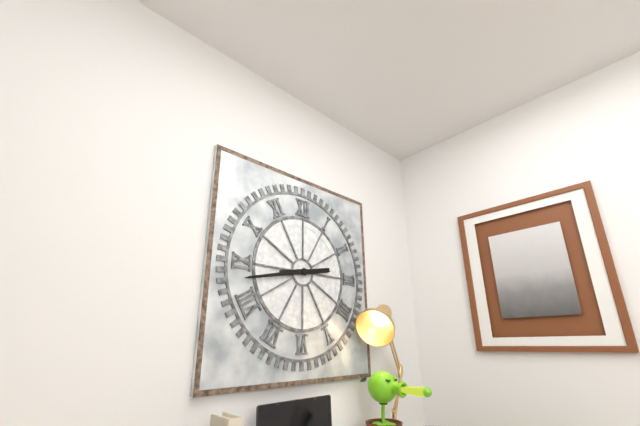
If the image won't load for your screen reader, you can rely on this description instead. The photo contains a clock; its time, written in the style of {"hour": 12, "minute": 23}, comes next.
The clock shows {"hour": 2, "minute": 43}
